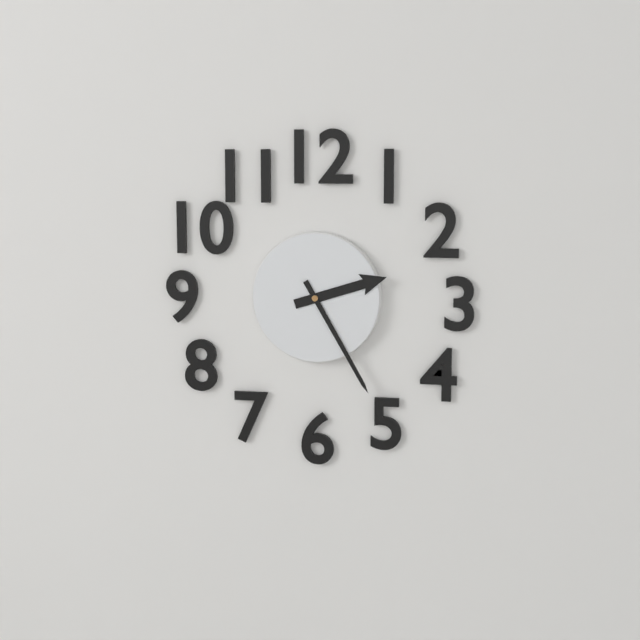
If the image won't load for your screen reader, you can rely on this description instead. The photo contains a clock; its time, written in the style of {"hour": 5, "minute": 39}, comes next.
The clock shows {"hour": 2, "minute": 25}
